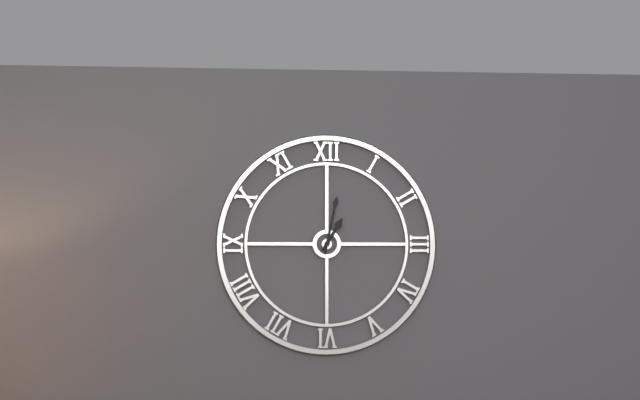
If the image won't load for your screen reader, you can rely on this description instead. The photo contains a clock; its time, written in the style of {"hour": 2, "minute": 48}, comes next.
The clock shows {"hour": 1, "minute": 2}
